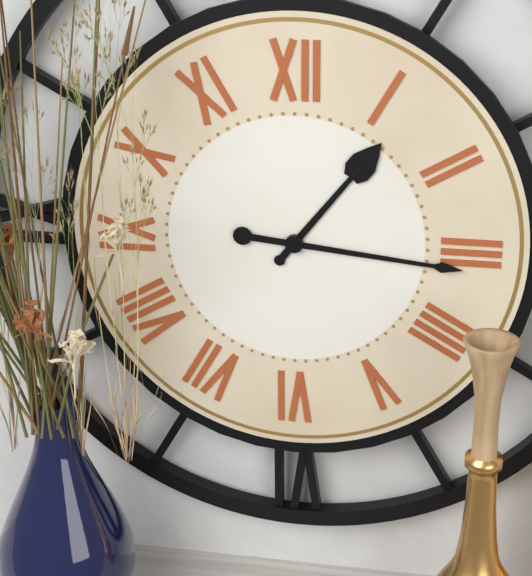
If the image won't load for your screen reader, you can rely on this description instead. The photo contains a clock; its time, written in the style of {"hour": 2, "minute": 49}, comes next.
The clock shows {"hour": 1, "minute": 16}
